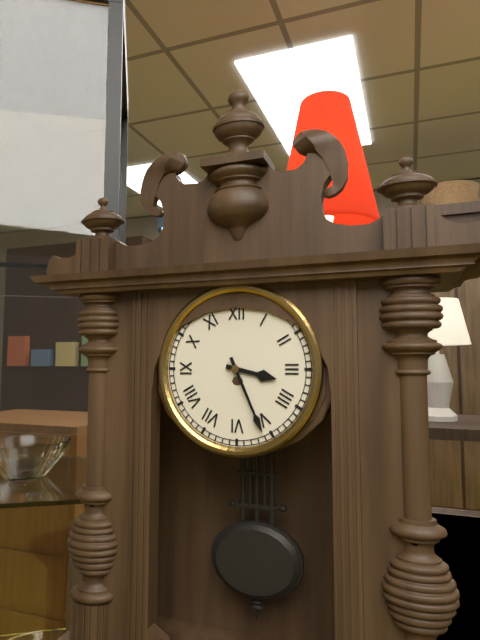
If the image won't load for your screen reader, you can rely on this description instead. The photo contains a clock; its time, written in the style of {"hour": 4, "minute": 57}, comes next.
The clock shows {"hour": 3, "minute": 26}
